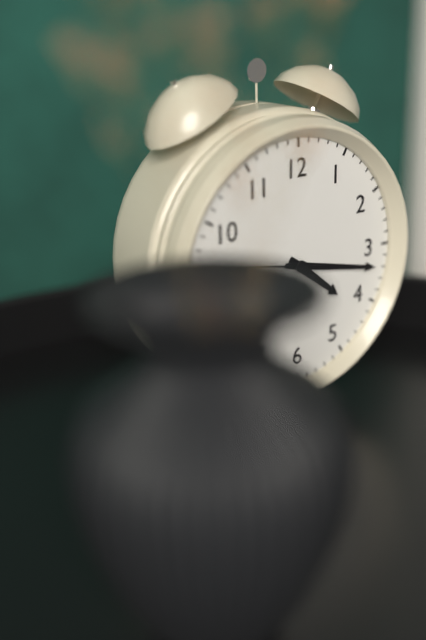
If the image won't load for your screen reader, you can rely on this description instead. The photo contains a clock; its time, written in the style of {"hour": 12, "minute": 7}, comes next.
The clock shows {"hour": 4, "minute": 17}
